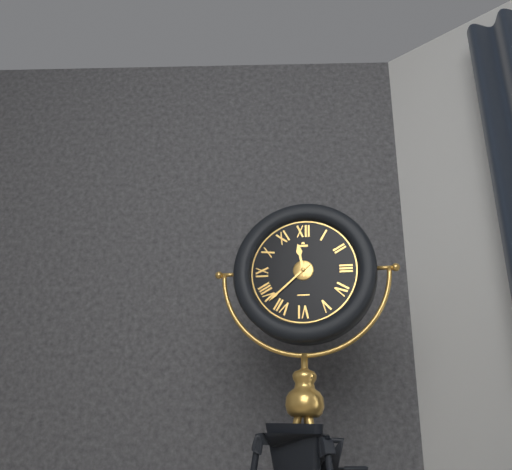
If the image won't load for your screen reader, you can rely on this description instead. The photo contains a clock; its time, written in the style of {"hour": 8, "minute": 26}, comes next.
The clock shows {"hour": 11, "minute": 38}
